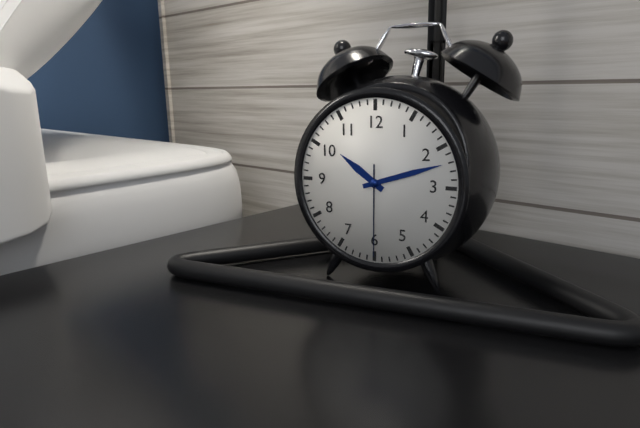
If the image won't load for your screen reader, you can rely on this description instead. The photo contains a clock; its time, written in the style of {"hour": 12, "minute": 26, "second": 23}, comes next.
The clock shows {"hour": 10, "minute": 12, "second": 30}
